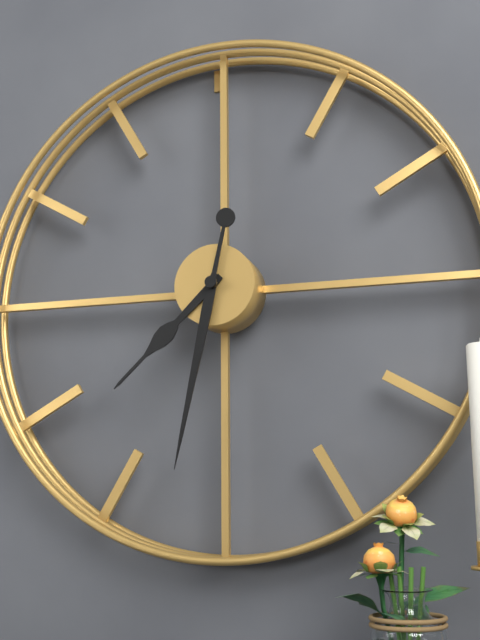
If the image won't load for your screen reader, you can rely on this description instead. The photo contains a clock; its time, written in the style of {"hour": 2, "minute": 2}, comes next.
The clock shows {"hour": 7, "minute": 32}
